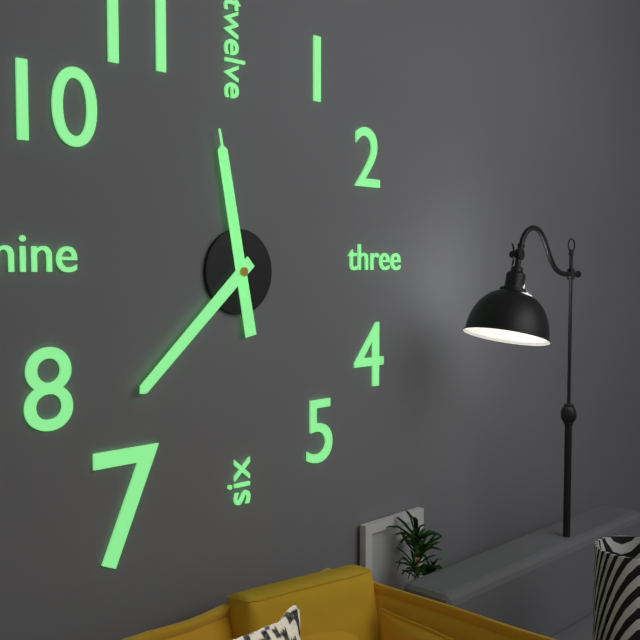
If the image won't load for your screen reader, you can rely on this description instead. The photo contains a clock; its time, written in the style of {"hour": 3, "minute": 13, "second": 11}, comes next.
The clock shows {"hour": 11, "minute": 38, "second": 58}
